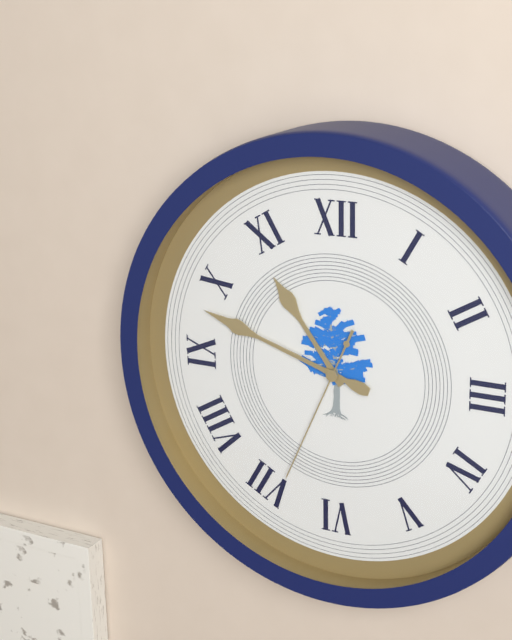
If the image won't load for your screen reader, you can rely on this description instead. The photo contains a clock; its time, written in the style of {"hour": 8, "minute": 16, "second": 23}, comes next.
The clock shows {"hour": 10, "minute": 48, "second": 34}
